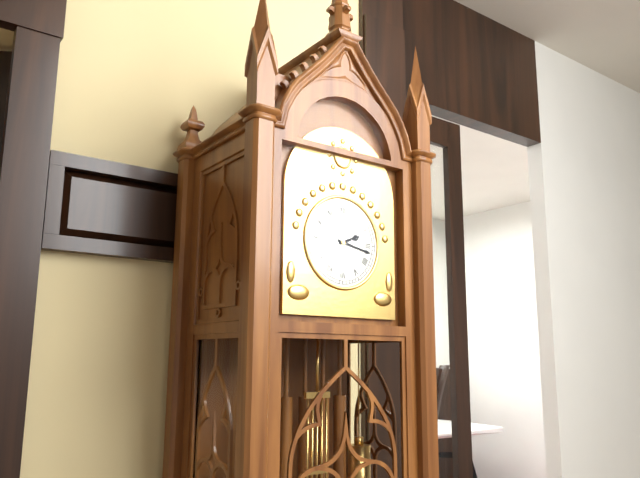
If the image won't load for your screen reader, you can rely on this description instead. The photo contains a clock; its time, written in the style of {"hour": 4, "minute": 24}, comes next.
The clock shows {"hour": 2, "minute": 17}
